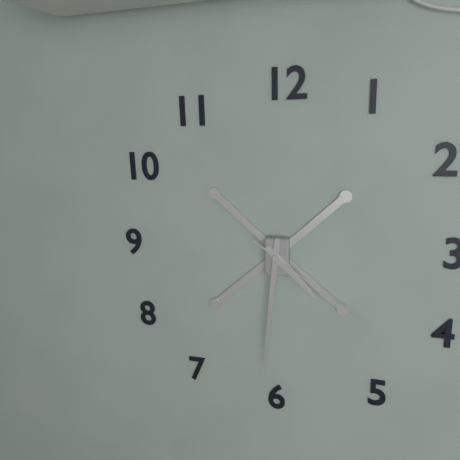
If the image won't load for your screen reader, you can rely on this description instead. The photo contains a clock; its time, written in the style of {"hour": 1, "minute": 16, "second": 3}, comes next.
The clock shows {"hour": 4, "minute": 31, "second": 21}
